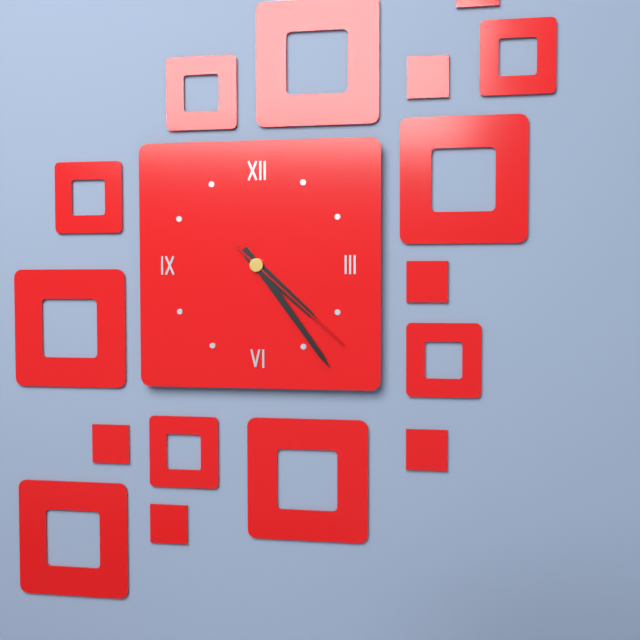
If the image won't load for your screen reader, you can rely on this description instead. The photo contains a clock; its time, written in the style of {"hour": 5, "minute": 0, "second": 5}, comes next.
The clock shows {"hour": 4, "minute": 24, "second": 22}
